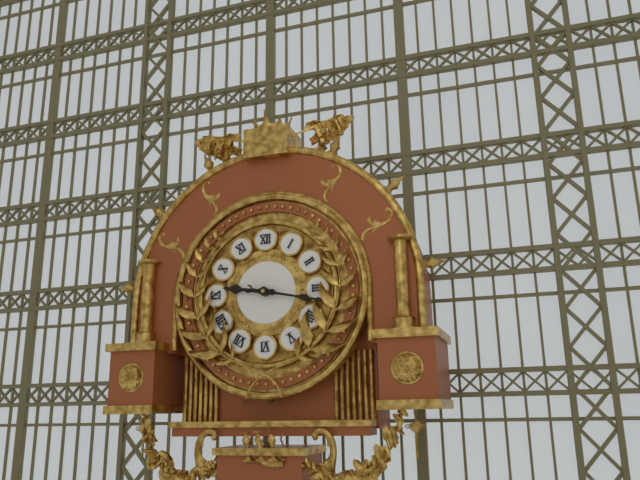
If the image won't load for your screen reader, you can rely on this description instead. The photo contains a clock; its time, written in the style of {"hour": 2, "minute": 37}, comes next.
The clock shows {"hour": 9, "minute": 17}
